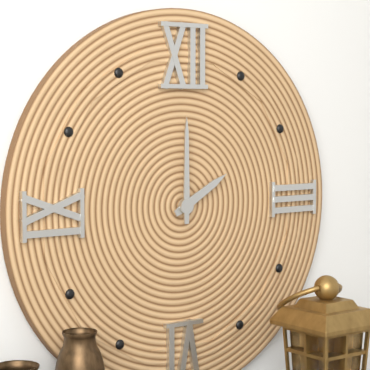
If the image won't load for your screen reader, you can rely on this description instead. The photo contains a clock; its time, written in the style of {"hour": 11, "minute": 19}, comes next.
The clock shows {"hour": 2, "minute": 0}
